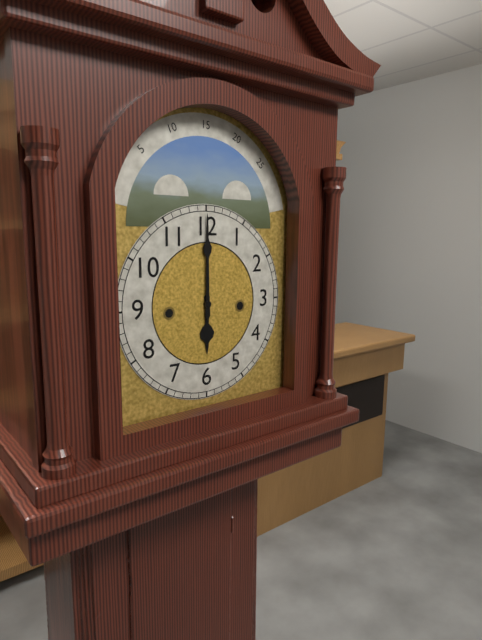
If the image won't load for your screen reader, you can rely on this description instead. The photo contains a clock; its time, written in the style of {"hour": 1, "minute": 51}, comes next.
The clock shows {"hour": 6, "minute": 0}
